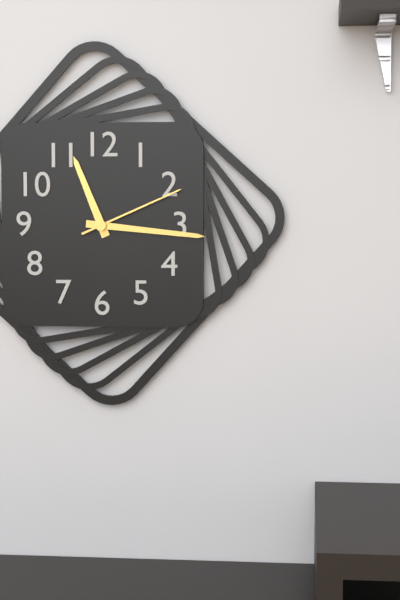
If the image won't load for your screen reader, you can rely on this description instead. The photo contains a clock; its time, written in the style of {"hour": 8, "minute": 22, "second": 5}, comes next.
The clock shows {"hour": 11, "minute": 16, "second": 11}
